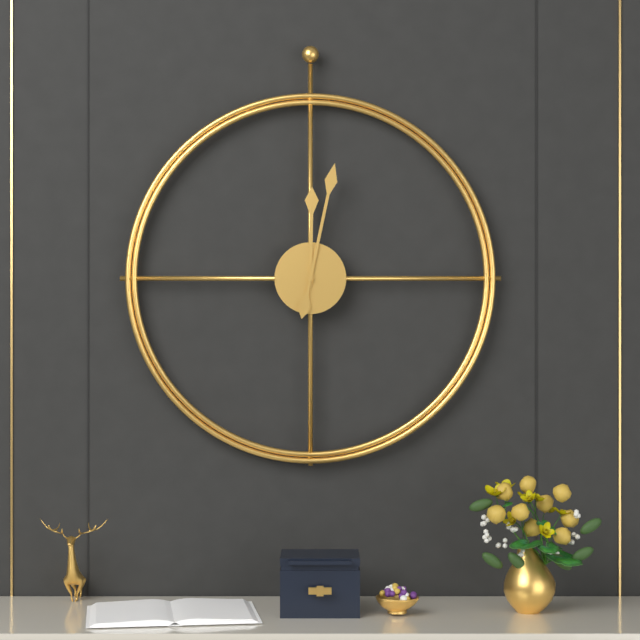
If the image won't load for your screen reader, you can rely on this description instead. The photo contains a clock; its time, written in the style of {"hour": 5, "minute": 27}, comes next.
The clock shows {"hour": 12, "minute": 2}
